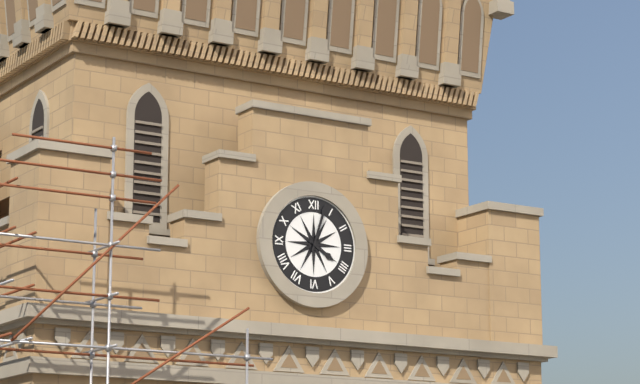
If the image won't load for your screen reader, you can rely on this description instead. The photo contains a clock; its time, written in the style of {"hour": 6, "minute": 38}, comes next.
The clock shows {"hour": 4, "minute": 3}
